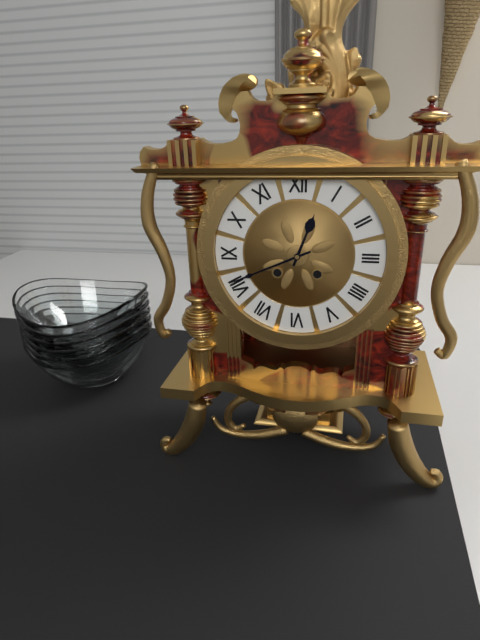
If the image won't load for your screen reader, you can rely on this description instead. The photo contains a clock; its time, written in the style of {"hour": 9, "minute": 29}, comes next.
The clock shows {"hour": 12, "minute": 41}
